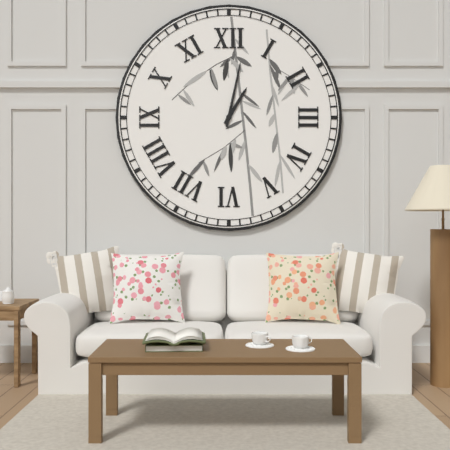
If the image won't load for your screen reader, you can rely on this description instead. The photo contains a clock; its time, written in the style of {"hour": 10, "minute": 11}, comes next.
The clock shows {"hour": 1, "minute": 2}
